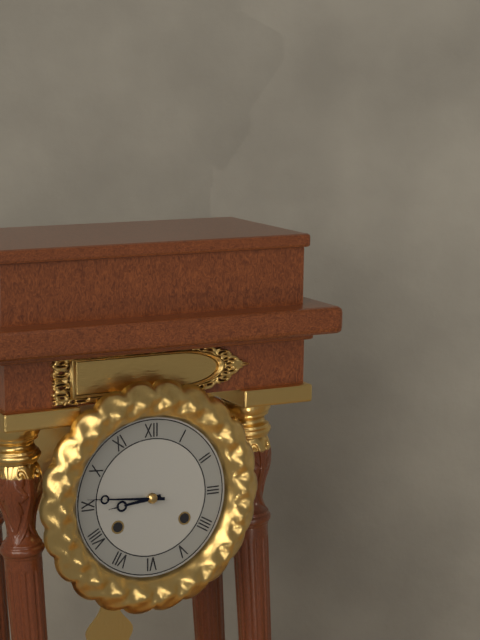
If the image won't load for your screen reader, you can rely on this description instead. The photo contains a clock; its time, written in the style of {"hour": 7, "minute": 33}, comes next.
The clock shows {"hour": 8, "minute": 46}
